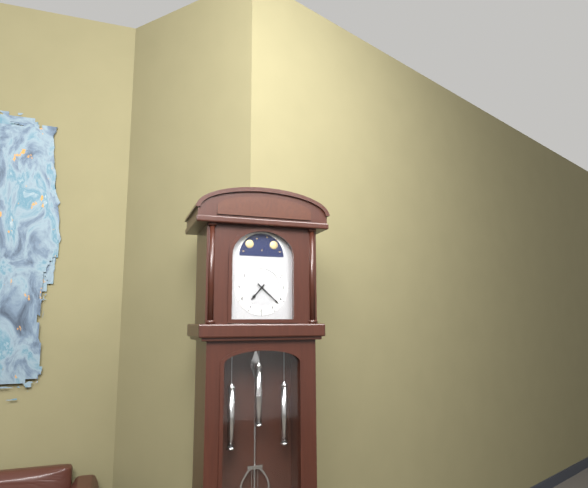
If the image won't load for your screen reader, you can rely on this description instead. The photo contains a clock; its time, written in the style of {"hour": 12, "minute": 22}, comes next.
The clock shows {"hour": 7, "minute": 22}
